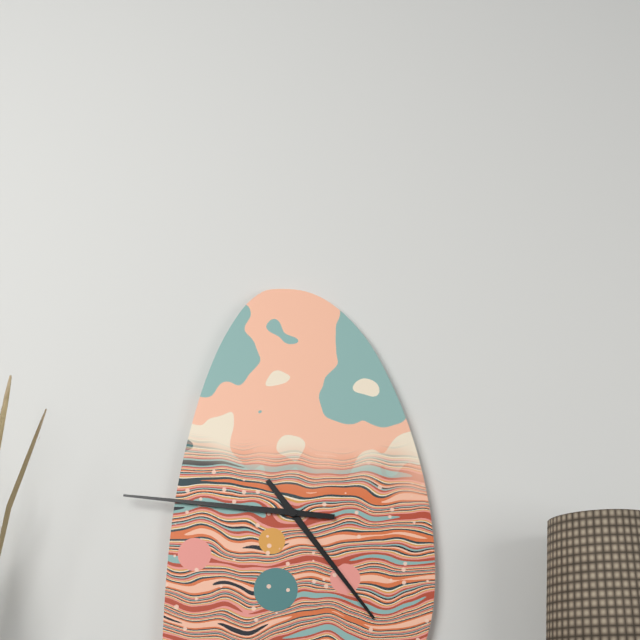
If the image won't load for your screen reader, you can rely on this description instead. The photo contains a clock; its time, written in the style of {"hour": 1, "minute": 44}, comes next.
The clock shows {"hour": 4, "minute": 46}
